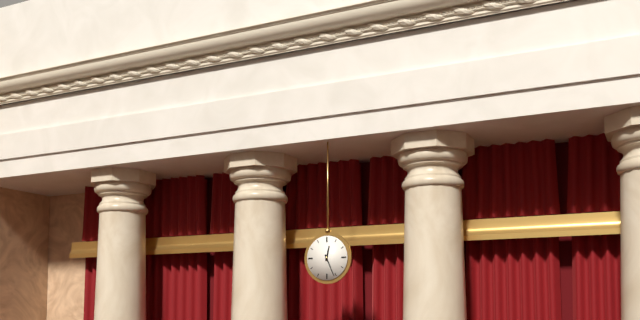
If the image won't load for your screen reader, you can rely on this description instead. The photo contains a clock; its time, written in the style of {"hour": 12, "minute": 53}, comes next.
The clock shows {"hour": 12, "minute": 26}
